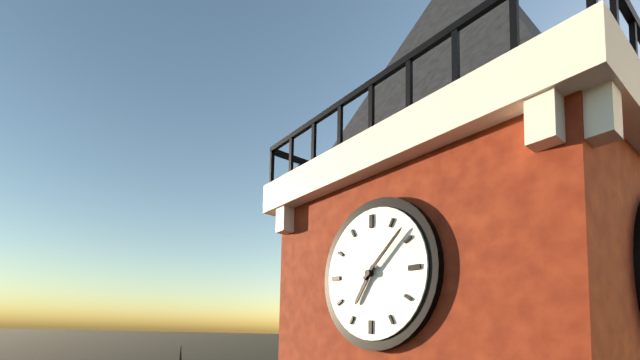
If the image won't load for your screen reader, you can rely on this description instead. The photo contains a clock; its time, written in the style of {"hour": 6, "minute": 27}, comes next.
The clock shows {"hour": 7, "minute": 8}
